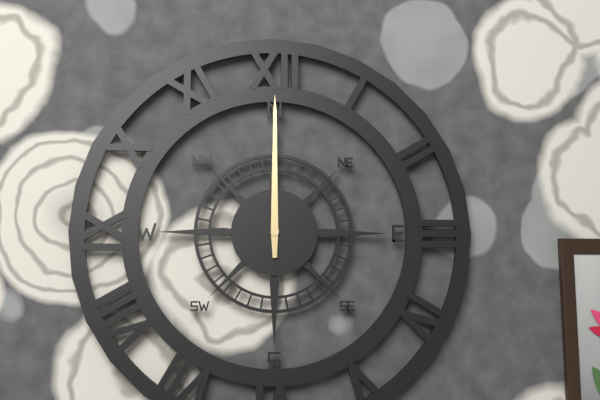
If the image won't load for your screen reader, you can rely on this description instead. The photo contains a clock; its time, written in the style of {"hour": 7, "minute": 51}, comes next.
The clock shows {"hour": 12, "minute": 0}
